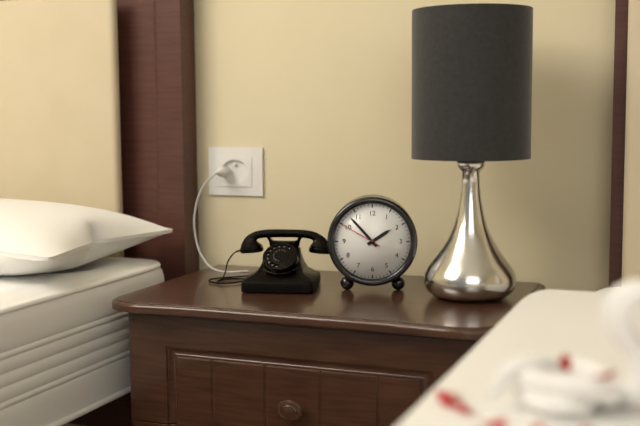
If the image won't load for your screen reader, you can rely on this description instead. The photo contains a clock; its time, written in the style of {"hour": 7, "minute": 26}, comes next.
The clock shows {"hour": 1, "minute": 53}
